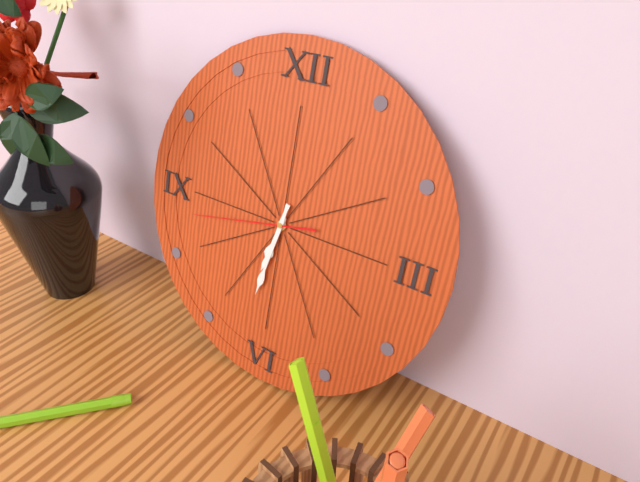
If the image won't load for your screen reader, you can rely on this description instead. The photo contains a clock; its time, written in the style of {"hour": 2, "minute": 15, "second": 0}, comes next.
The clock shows {"hour": 6, "minute": 32, "second": 43}
